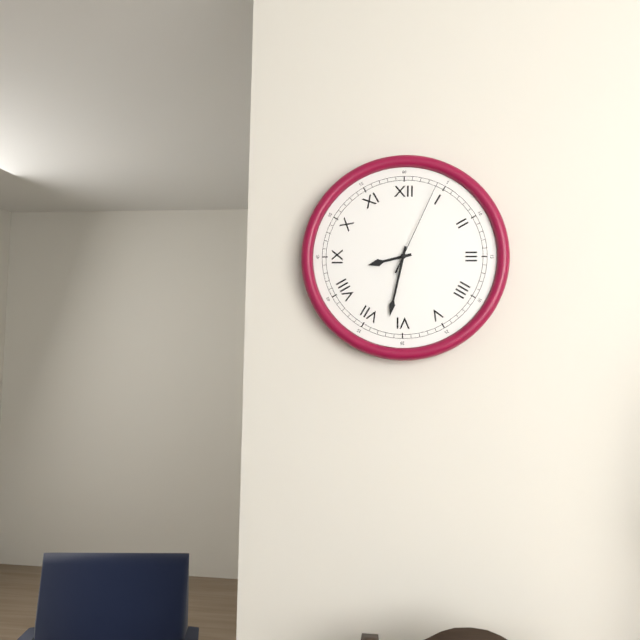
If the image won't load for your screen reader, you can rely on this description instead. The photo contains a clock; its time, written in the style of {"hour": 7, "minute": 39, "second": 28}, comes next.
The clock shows {"hour": 8, "minute": 32, "second": 4}
